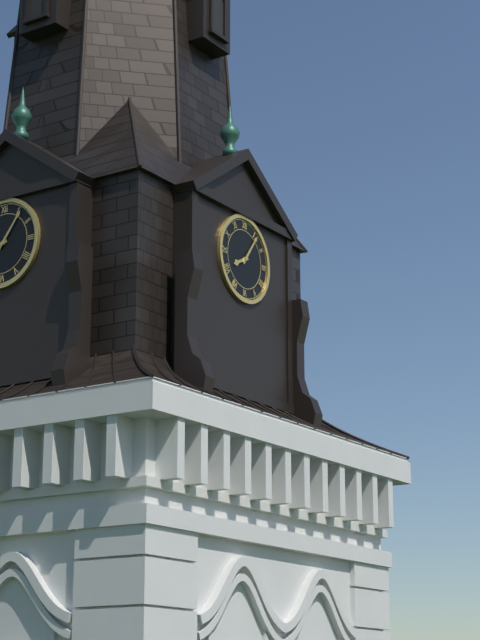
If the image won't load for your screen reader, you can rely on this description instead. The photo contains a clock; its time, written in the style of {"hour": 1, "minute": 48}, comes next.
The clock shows {"hour": 8, "minute": 6}
